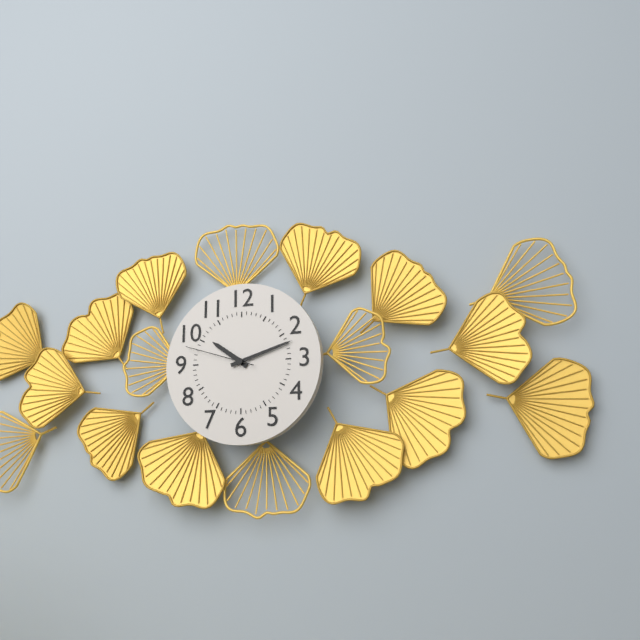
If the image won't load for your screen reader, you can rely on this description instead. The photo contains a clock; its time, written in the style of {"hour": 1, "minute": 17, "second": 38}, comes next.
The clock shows {"hour": 10, "minute": 12, "second": 48}
